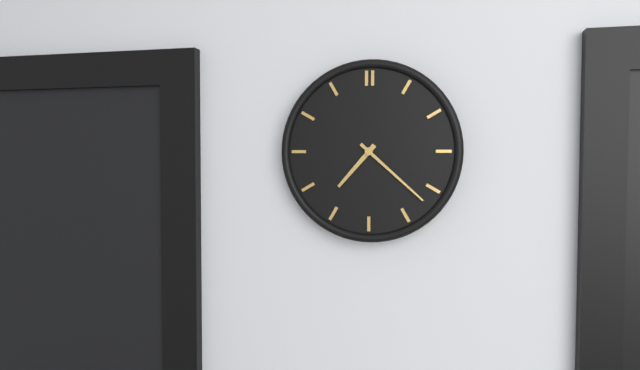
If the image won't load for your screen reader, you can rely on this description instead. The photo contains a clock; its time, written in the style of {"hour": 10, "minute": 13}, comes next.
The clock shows {"hour": 7, "minute": 22}
